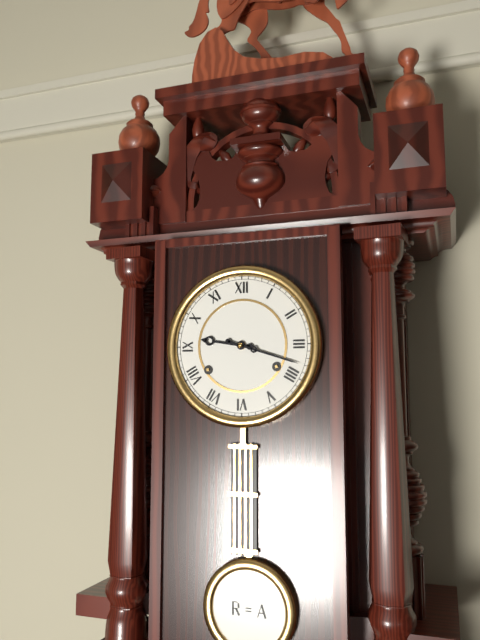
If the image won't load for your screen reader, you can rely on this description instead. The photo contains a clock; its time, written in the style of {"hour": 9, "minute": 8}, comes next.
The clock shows {"hour": 9, "minute": 18}
